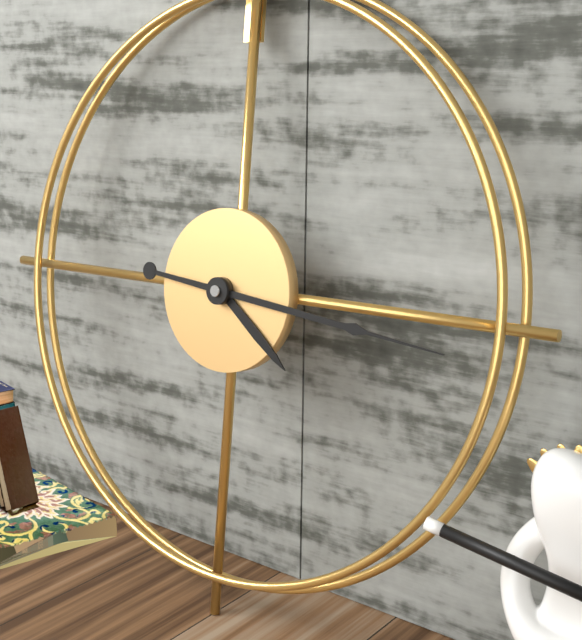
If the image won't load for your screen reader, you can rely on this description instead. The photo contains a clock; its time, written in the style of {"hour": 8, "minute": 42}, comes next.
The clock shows {"hour": 4, "minute": 16}
